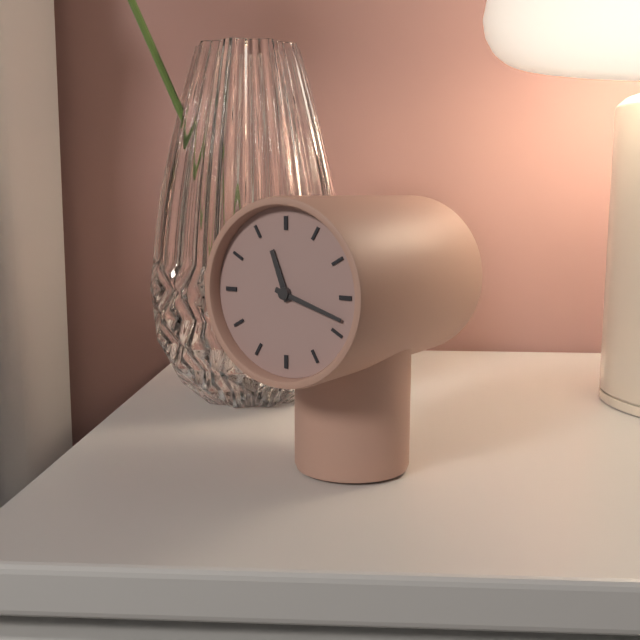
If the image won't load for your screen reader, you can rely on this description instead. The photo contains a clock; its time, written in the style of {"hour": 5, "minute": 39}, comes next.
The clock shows {"hour": 11, "minute": 18}
